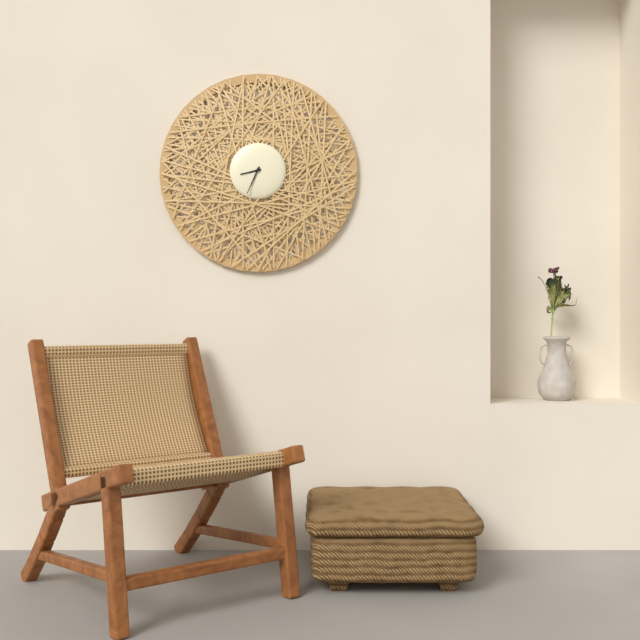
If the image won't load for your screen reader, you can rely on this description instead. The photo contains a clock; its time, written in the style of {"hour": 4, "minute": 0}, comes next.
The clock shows {"hour": 8, "minute": 34}
